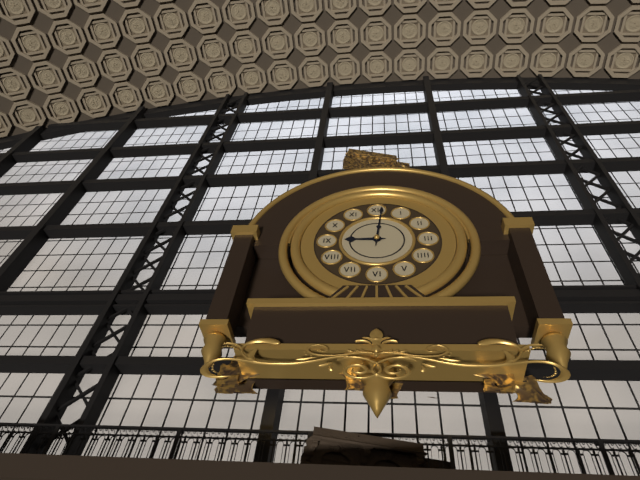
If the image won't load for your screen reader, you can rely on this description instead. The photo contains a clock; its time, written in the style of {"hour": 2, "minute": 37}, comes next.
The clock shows {"hour": 9, "minute": 1}
